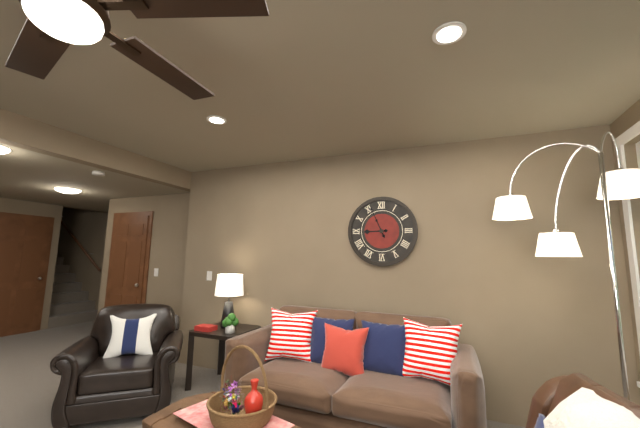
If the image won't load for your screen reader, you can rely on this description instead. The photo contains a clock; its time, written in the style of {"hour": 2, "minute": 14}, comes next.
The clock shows {"hour": 8, "minute": 56}
